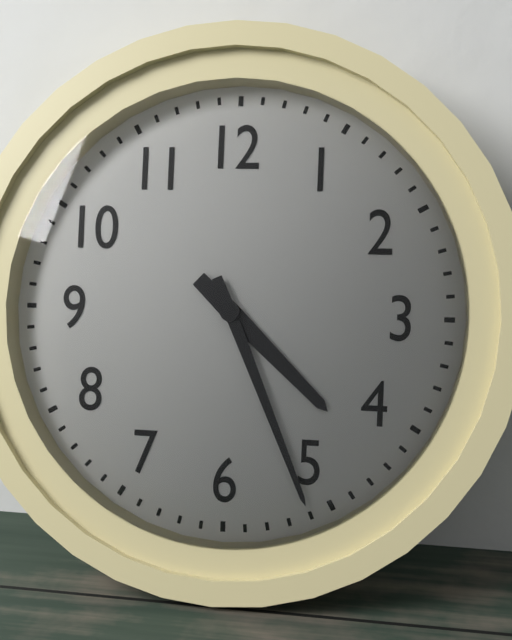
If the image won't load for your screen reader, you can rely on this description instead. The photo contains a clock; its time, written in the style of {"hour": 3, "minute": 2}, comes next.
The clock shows {"hour": 4, "minute": 26}
